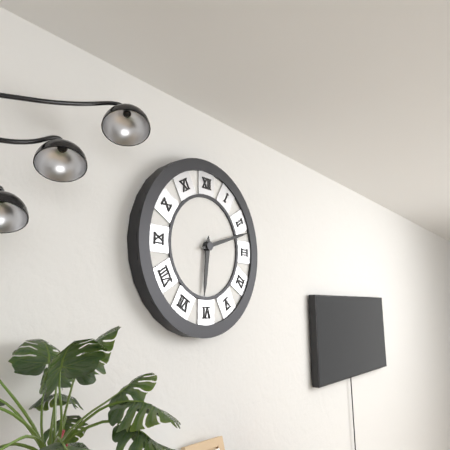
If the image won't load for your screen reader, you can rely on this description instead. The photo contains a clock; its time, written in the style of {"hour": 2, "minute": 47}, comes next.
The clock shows {"hour": 6, "minute": 12}
